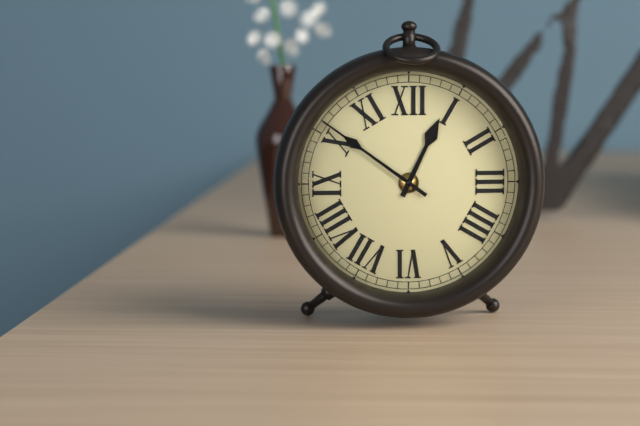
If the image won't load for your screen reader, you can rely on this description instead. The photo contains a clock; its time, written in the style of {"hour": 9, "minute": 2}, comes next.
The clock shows {"hour": 12, "minute": 51}
